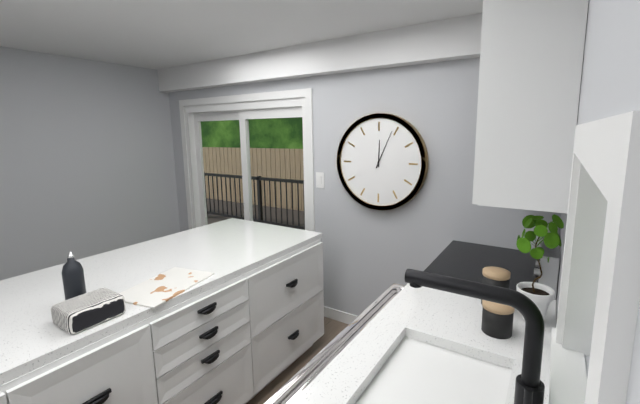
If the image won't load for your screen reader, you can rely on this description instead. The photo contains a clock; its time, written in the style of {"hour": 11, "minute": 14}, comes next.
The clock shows {"hour": 12, "minute": 4}
